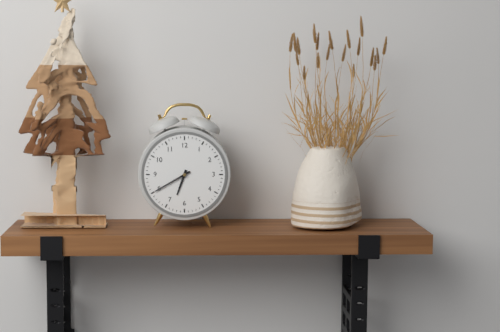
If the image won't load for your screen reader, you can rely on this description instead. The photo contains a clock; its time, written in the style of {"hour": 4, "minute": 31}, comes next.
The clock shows {"hour": 6, "minute": 40}
